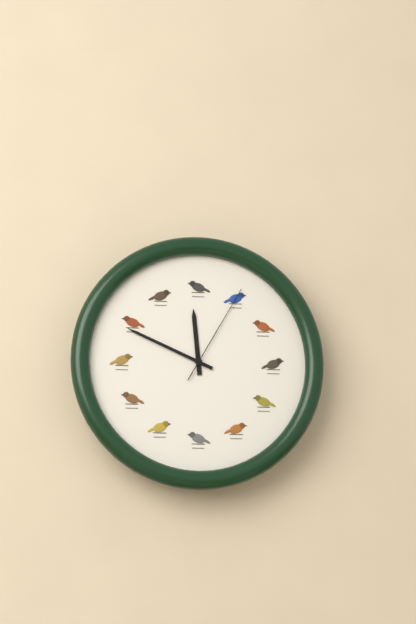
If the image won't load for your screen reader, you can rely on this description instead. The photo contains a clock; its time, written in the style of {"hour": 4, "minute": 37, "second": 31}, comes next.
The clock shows {"hour": 11, "minute": 49, "second": 5}
